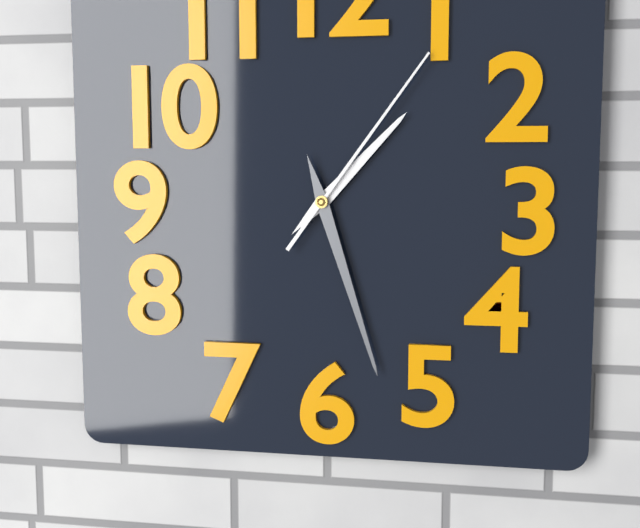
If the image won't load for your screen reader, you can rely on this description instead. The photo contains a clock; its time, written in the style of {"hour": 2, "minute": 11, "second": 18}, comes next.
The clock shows {"hour": 1, "minute": 27, "second": 6}
